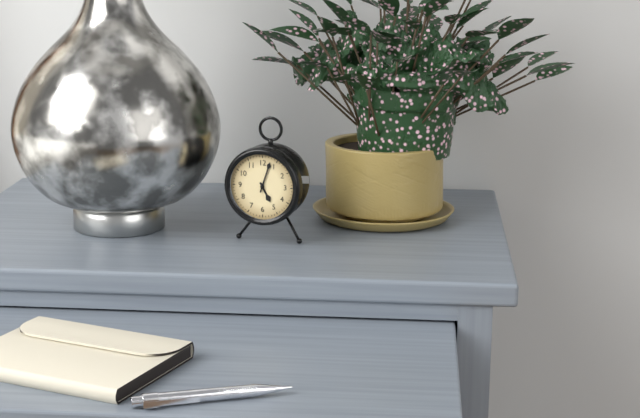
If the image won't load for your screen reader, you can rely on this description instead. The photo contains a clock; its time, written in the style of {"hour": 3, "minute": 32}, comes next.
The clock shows {"hour": 5, "minute": 3}
